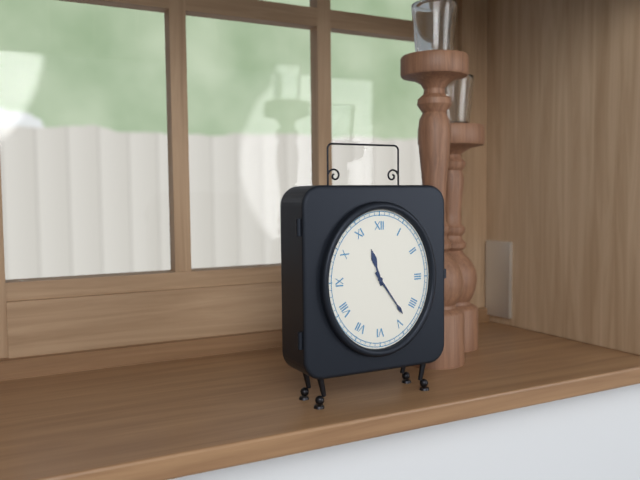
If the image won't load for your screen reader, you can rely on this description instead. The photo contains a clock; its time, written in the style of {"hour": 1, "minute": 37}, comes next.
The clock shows {"hour": 11, "minute": 24}
